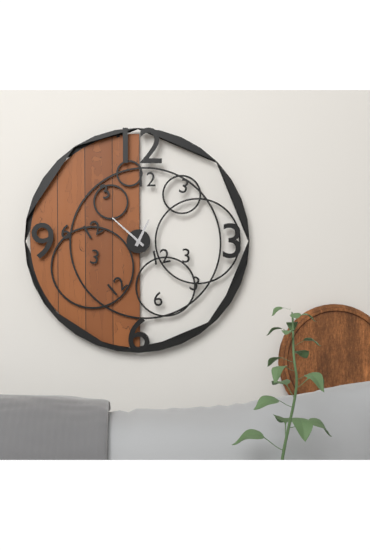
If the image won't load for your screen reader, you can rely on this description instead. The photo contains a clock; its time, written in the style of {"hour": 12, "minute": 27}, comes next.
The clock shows {"hour": 12, "minute": 52}
